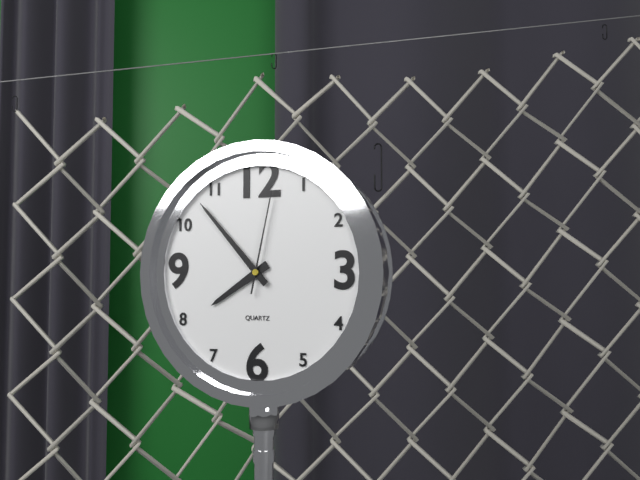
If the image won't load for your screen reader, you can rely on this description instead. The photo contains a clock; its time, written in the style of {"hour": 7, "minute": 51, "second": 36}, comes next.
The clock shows {"hour": 7, "minute": 53, "second": 2}
